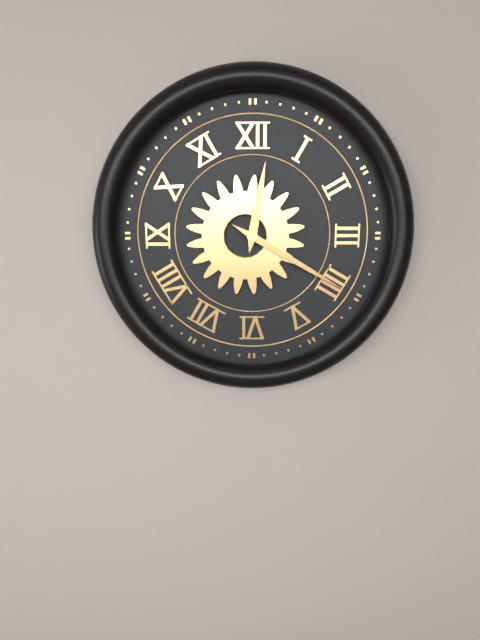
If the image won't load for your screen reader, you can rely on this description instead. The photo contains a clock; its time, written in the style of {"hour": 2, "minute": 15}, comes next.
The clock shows {"hour": 12, "minute": 20}
